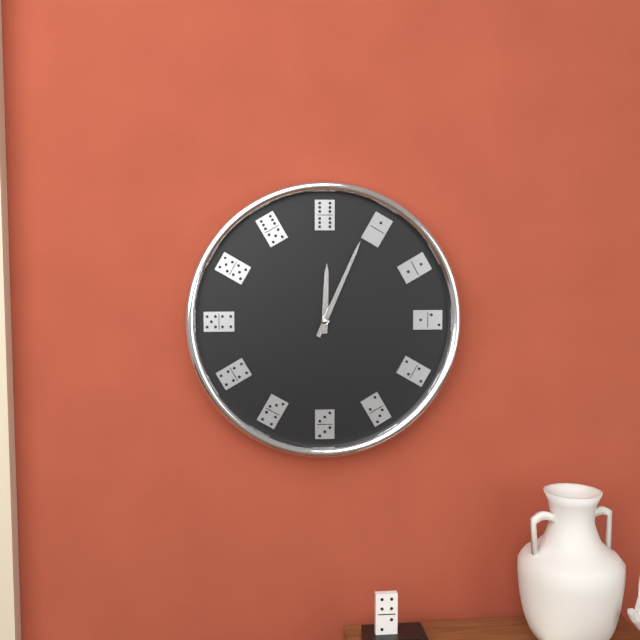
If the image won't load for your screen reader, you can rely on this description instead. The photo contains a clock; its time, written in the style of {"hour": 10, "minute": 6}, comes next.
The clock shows {"hour": 12, "minute": 4}
